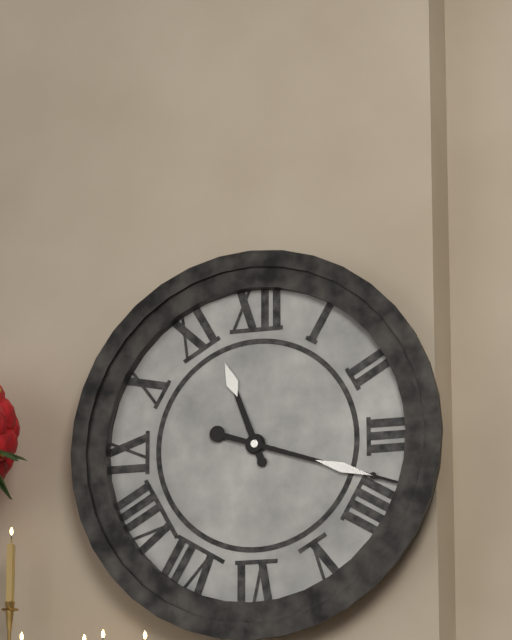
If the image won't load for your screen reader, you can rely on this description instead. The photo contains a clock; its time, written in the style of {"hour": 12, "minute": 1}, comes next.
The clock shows {"hour": 11, "minute": 18}
